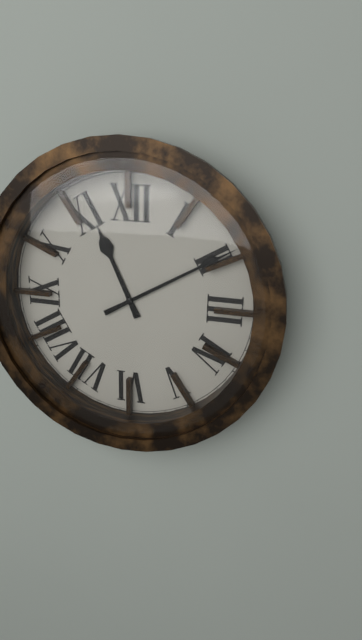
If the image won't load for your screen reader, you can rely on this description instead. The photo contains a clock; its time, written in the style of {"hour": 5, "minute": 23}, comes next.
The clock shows {"hour": 11, "minute": 10}
